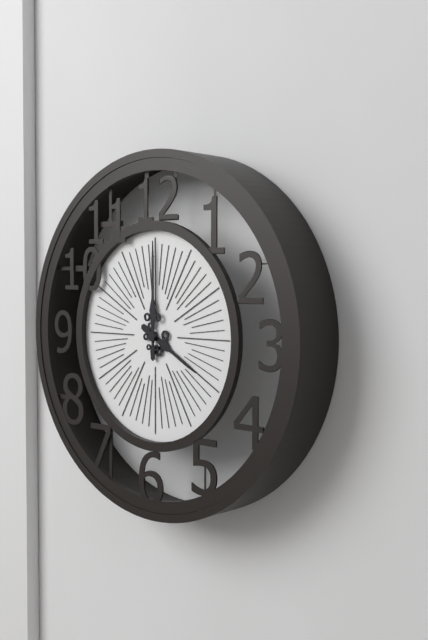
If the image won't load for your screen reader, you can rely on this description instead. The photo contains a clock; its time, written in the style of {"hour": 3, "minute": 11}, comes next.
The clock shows {"hour": 4, "minute": 0}
